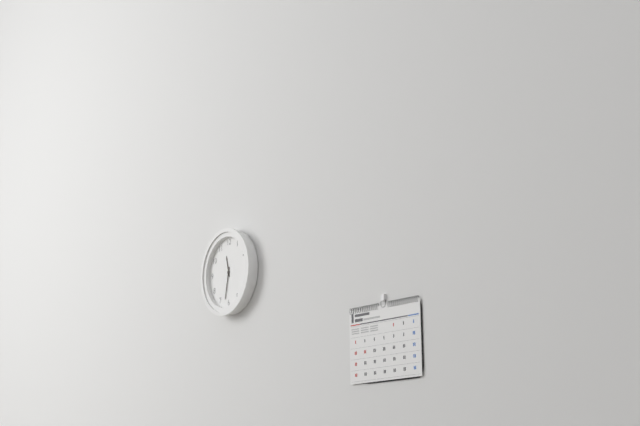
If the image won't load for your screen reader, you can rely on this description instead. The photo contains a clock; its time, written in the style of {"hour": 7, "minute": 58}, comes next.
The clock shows {"hour": 11, "minute": 32}
